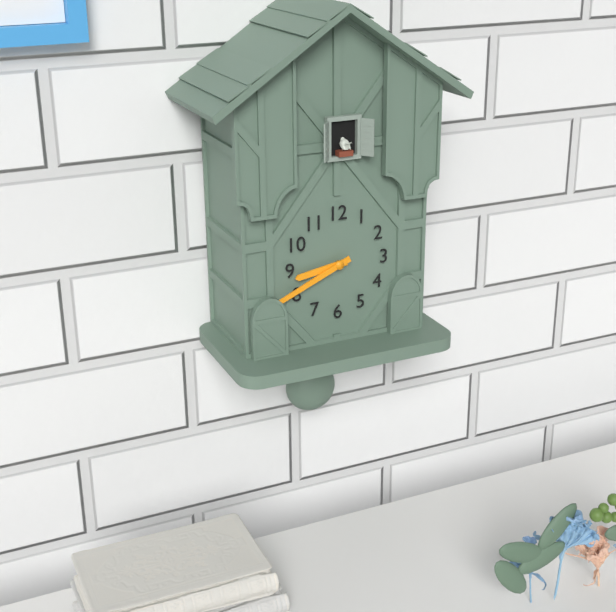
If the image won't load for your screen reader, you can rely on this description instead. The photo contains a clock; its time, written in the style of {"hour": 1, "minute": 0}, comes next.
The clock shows {"hour": 8, "minute": 41}
